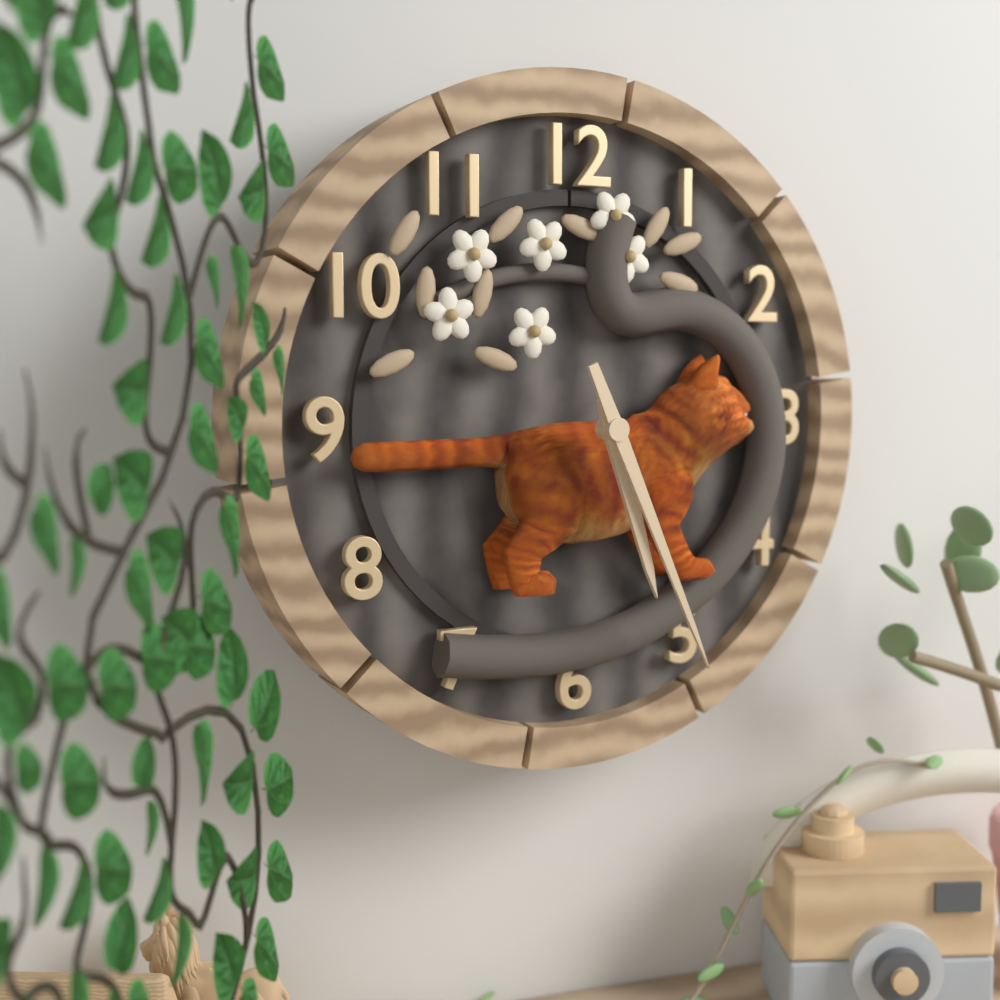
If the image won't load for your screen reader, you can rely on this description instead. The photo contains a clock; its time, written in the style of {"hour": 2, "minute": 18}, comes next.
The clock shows {"hour": 5, "minute": 26}
